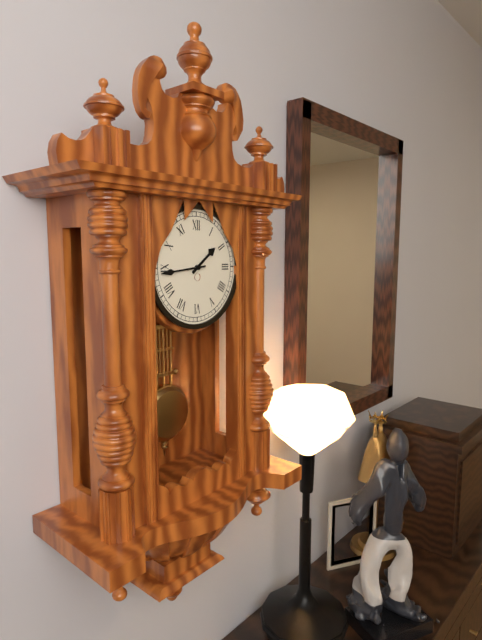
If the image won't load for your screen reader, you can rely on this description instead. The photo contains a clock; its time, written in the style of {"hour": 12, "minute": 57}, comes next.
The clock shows {"hour": 1, "minute": 44}
